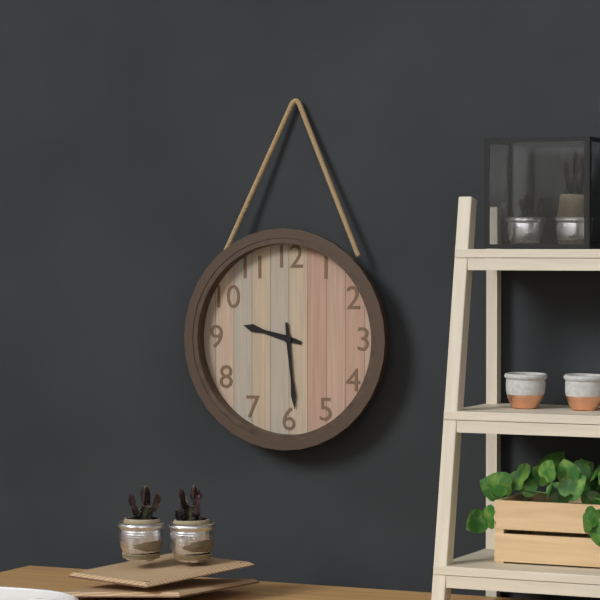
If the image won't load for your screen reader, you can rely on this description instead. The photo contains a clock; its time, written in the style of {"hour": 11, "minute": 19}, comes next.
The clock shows {"hour": 9, "minute": 29}
